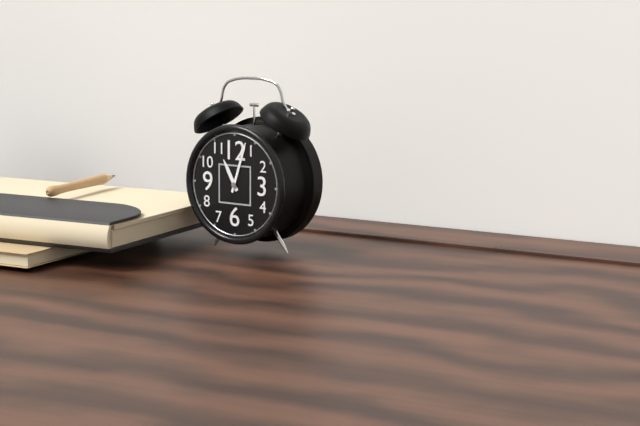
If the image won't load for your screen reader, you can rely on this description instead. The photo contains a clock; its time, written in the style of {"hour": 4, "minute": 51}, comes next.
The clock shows {"hour": 11, "minute": 3}
